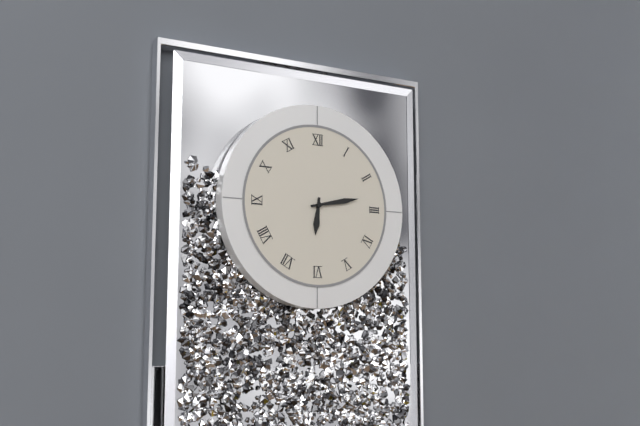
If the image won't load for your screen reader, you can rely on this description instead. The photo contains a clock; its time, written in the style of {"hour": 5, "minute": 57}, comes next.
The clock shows {"hour": 6, "minute": 13}
